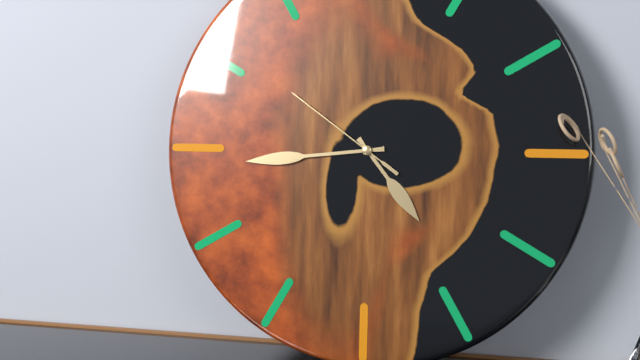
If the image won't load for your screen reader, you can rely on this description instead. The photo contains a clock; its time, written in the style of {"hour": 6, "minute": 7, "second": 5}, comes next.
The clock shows {"hour": 4, "minute": 44, "second": 51}
